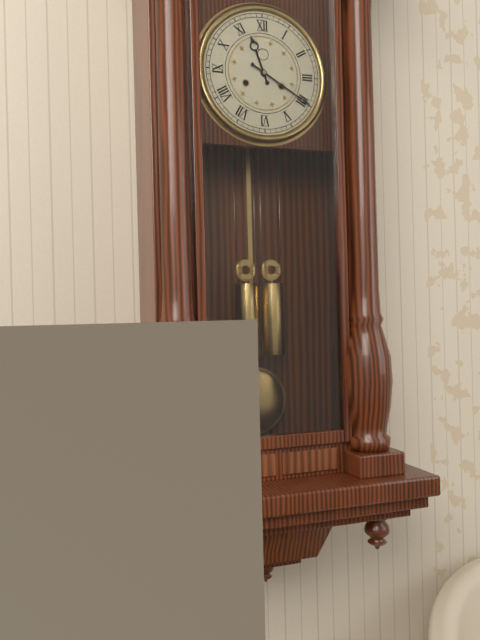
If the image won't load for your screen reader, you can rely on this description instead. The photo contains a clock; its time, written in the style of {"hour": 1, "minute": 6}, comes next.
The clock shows {"hour": 11, "minute": 20}
